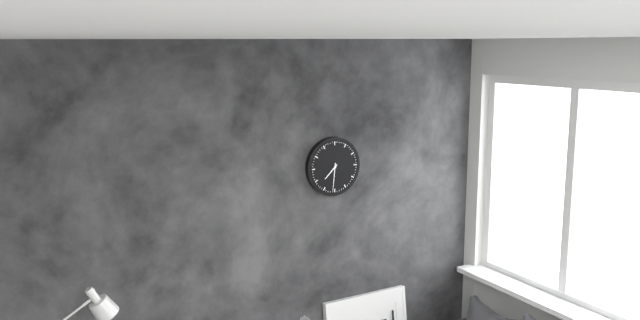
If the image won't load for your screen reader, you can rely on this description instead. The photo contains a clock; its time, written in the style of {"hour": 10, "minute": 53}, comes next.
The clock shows {"hour": 7, "minute": 31}
